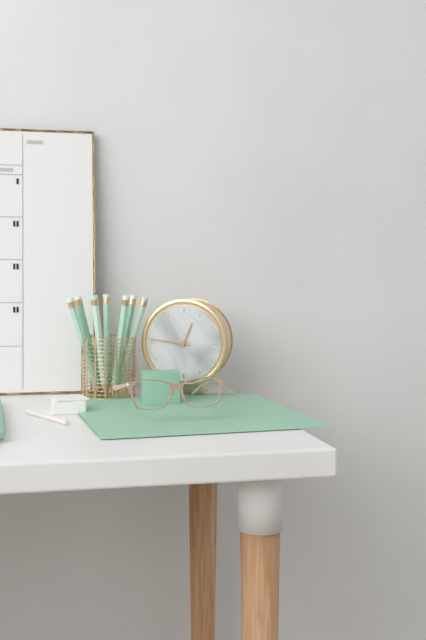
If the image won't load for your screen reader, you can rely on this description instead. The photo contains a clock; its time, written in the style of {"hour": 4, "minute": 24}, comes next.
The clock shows {"hour": 12, "minute": 46}
